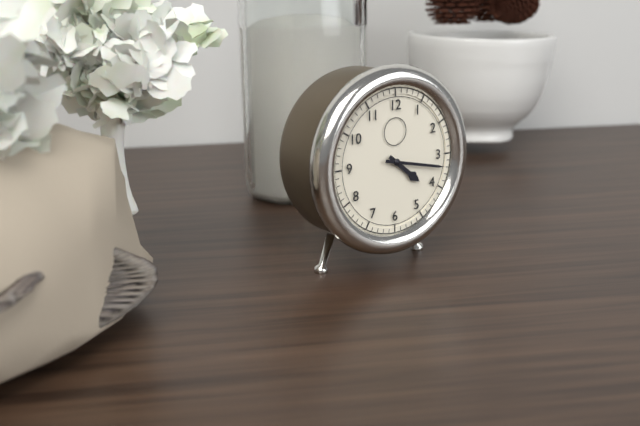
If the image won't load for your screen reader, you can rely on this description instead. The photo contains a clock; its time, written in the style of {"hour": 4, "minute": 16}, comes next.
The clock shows {"hour": 4, "minute": 17}
